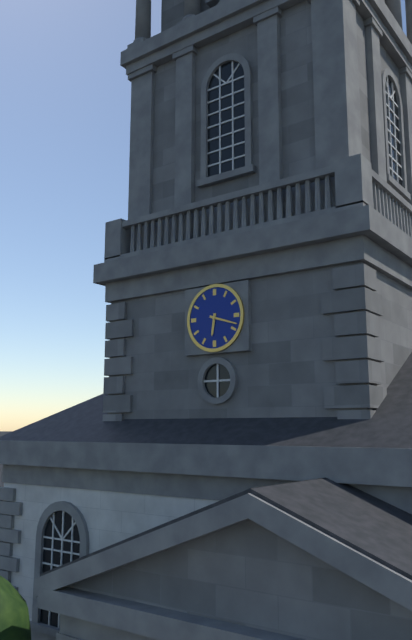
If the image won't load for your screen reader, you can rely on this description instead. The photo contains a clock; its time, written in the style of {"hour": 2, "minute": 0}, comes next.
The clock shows {"hour": 6, "minute": 18}
